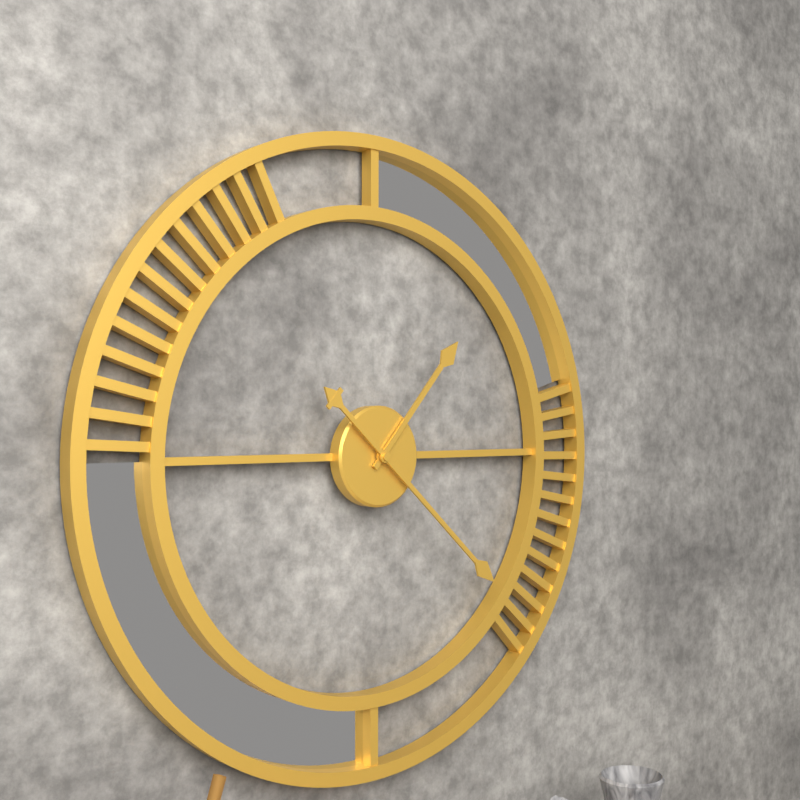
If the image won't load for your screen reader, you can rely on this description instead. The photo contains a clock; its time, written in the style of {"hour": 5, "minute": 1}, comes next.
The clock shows {"hour": 1, "minute": 22}
